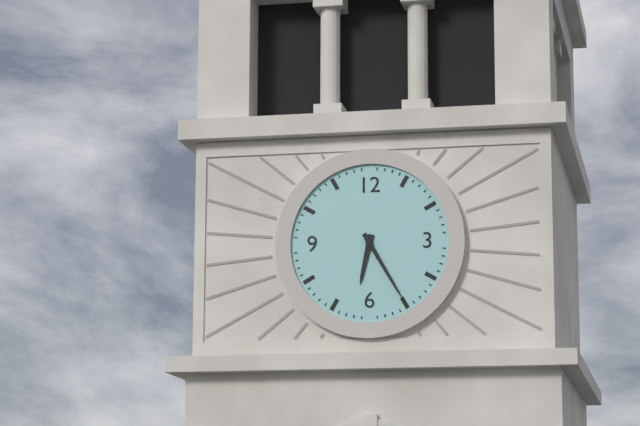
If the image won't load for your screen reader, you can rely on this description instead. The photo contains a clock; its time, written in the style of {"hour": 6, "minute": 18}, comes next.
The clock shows {"hour": 6, "minute": 25}
